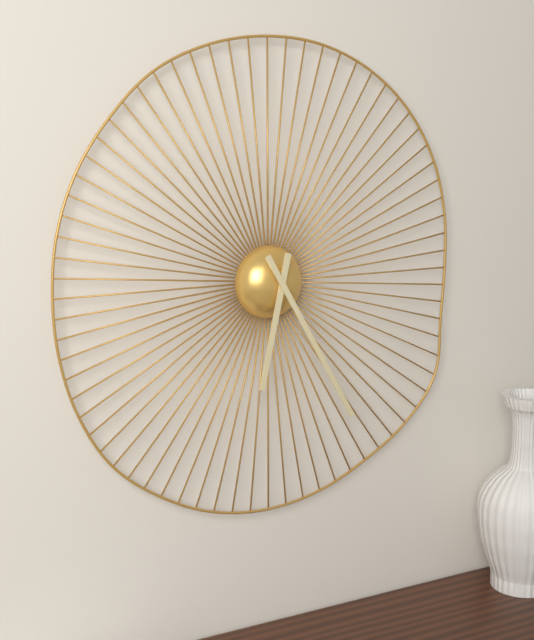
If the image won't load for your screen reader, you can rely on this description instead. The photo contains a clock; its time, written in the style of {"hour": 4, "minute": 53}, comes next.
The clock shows {"hour": 6, "minute": 25}
